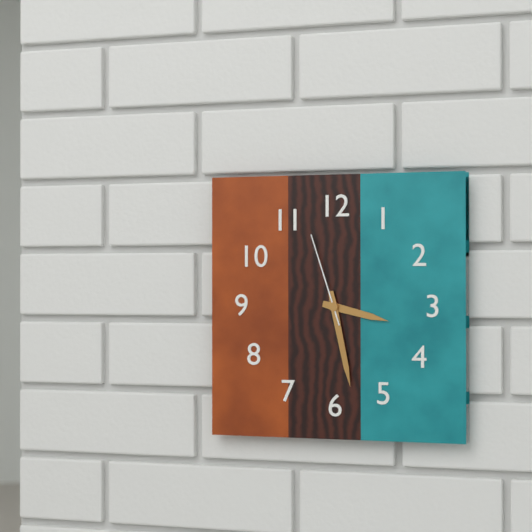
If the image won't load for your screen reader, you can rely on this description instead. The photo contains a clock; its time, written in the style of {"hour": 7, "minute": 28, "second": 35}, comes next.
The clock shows {"hour": 3, "minute": 28, "second": 57}
